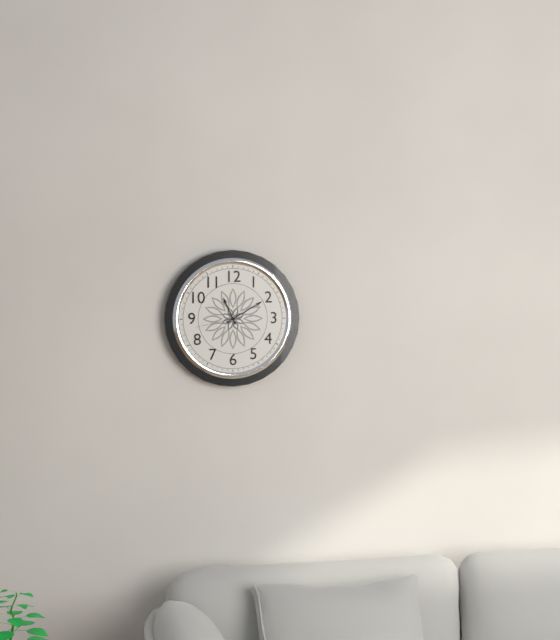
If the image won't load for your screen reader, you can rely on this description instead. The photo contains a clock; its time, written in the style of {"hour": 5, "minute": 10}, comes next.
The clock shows {"hour": 11, "minute": 10}
